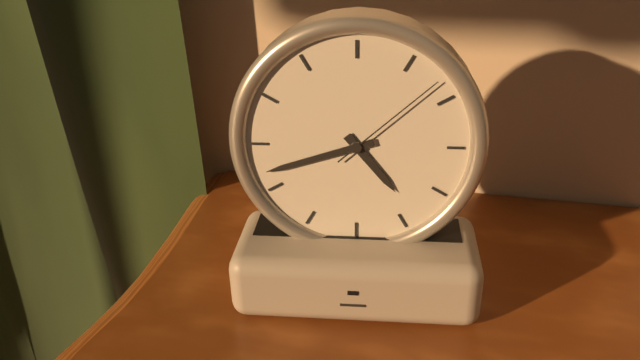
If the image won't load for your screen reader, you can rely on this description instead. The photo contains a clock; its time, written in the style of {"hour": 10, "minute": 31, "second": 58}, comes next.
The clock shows {"hour": 4, "minute": 42, "second": 8}
